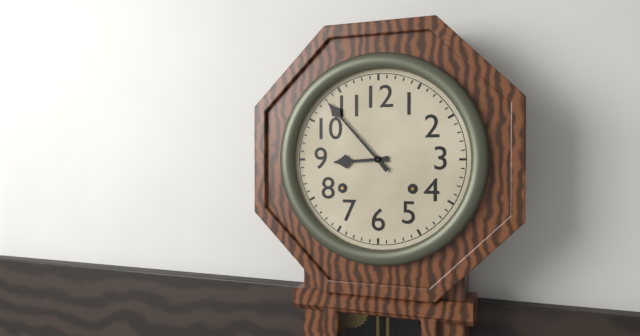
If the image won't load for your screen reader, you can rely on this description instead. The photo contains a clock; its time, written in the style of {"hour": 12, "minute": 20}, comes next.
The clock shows {"hour": 8, "minute": 53}
